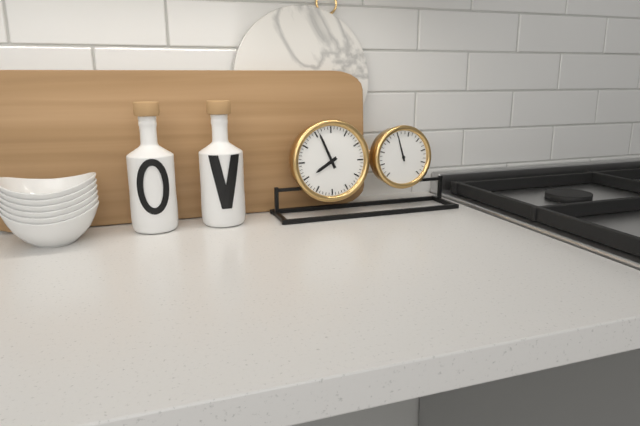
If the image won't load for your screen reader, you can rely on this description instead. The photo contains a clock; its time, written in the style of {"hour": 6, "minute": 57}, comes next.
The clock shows {"hour": 7, "minute": 56}
